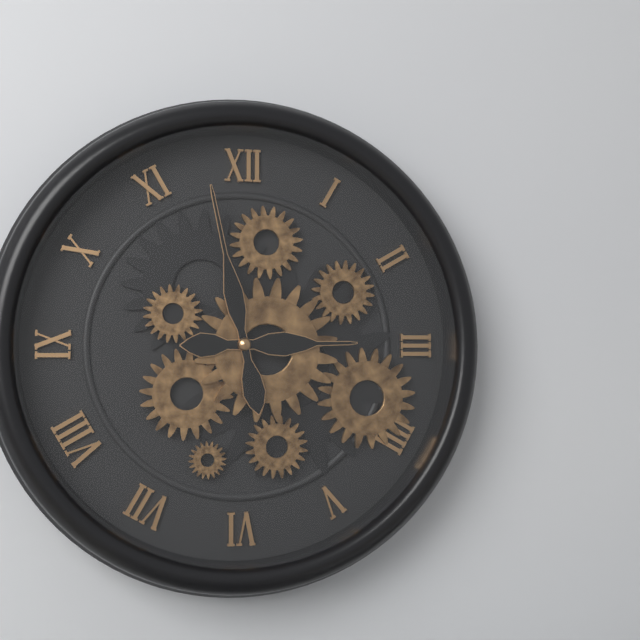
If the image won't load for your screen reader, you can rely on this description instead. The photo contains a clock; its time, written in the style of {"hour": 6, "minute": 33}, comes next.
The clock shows {"hour": 2, "minute": 58}
